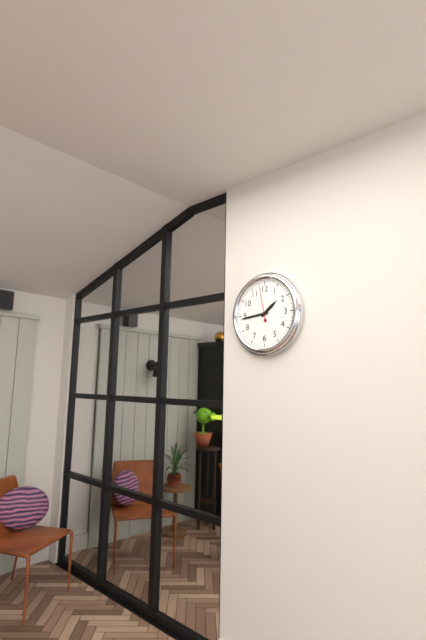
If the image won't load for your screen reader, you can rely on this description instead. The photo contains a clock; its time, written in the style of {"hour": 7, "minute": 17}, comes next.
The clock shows {"hour": 1, "minute": 44}
